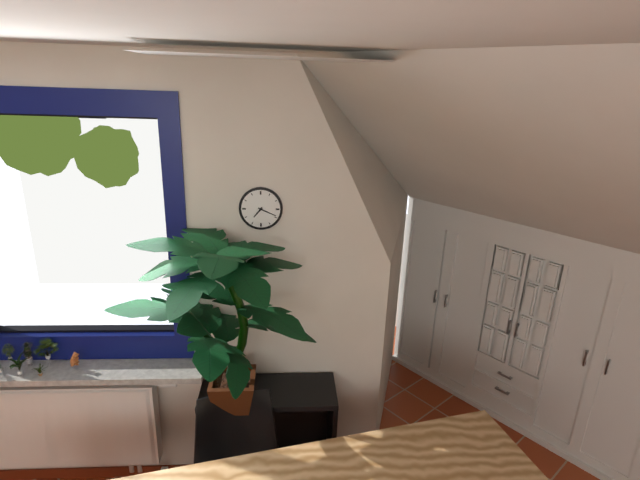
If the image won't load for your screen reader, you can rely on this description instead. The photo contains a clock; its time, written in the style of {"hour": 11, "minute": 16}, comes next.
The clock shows {"hour": 7, "minute": 19}
